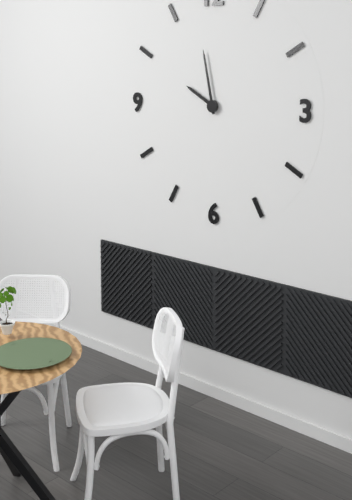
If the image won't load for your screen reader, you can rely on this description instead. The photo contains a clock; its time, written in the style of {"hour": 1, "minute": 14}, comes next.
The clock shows {"hour": 9, "minute": 58}
